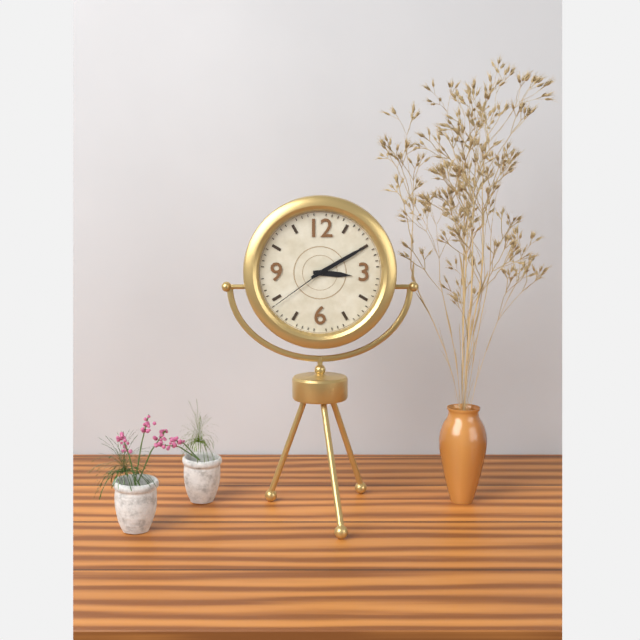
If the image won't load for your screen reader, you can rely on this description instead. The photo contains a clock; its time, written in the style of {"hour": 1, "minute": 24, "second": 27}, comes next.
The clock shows {"hour": 3, "minute": 10, "second": 39}
